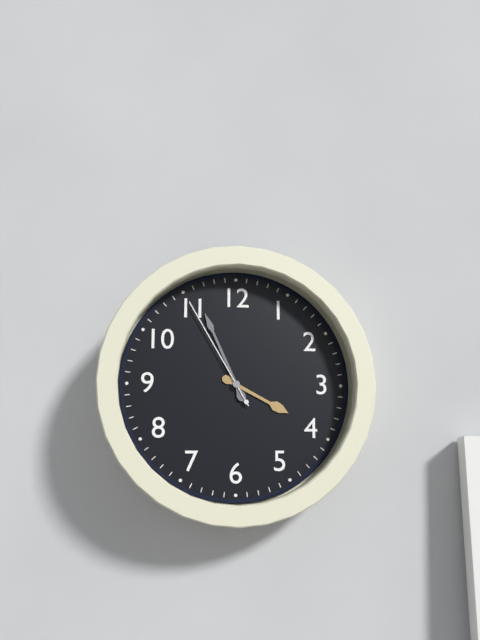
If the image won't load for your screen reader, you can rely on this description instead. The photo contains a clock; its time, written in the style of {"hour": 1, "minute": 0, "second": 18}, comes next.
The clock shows {"hour": 3, "minute": 56, "second": 55}
